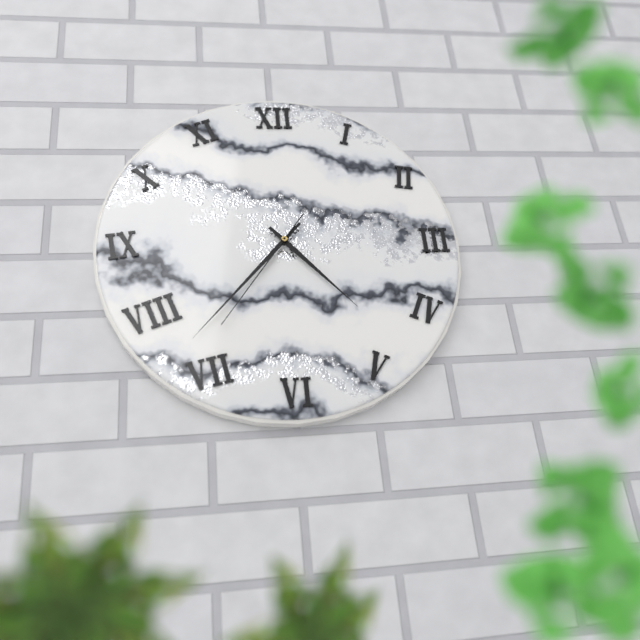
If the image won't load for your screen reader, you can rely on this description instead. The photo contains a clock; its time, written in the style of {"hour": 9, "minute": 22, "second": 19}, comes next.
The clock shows {"hour": 4, "minute": 37, "second": 36}
